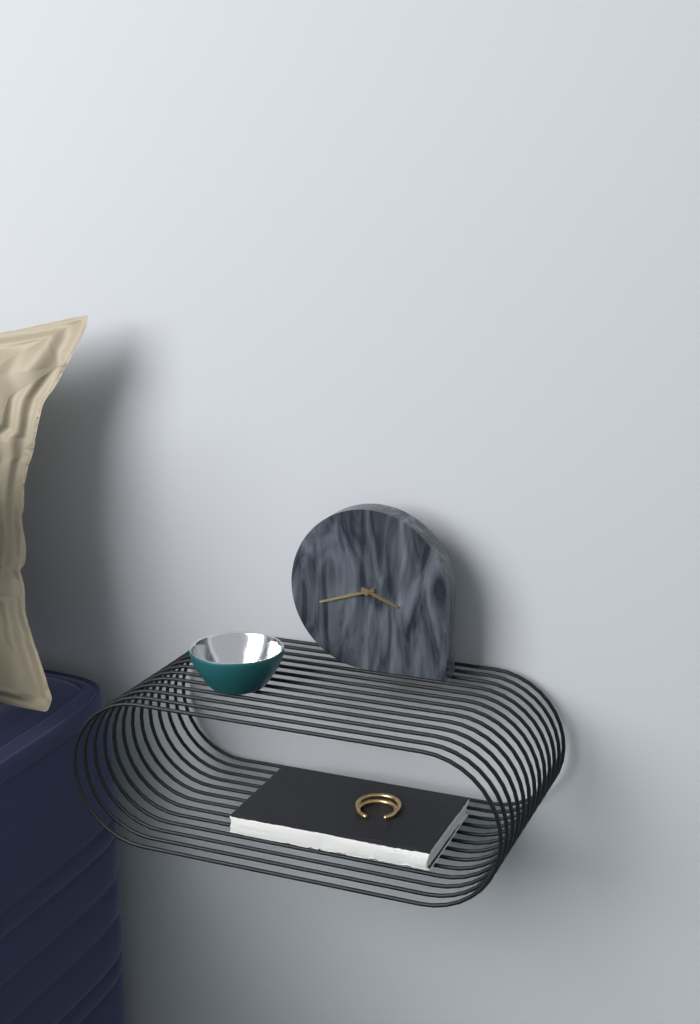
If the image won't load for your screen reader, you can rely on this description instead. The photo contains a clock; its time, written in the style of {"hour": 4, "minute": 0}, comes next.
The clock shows {"hour": 3, "minute": 42}
